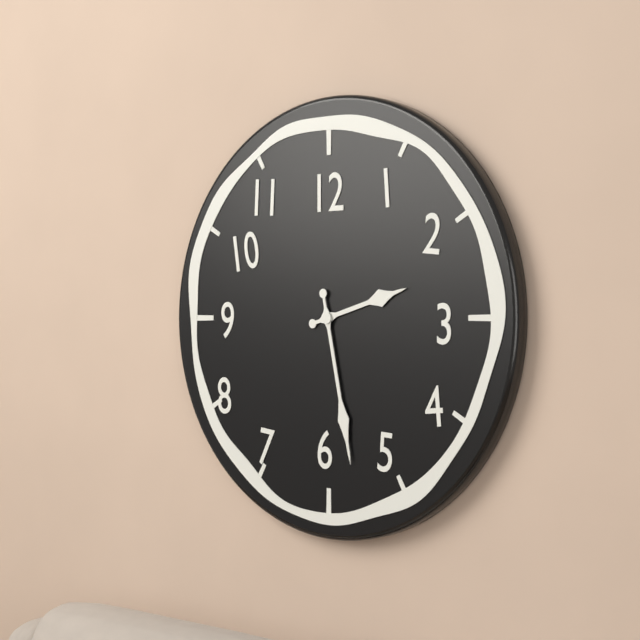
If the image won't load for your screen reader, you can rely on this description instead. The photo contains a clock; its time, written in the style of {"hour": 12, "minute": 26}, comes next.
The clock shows {"hour": 2, "minute": 28}
